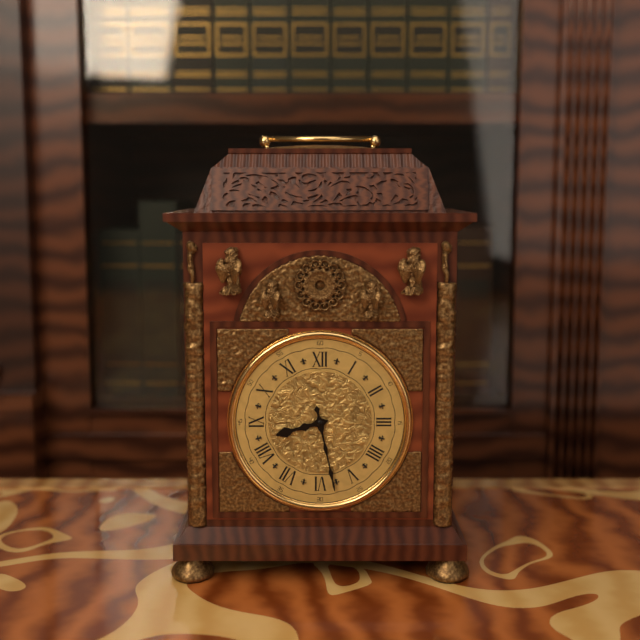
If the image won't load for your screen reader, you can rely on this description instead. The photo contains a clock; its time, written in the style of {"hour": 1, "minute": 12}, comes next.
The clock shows {"hour": 8, "minute": 28}
